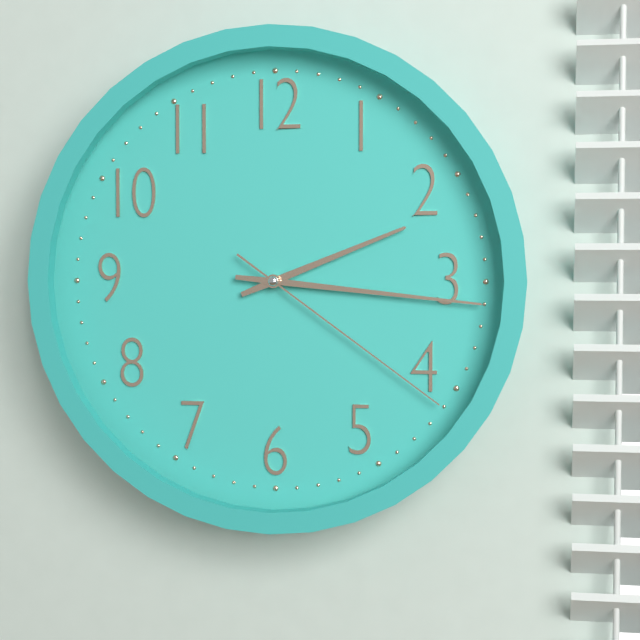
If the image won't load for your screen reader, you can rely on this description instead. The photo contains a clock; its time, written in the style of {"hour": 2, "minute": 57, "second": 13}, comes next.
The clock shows {"hour": 2, "minute": 16, "second": 21}
